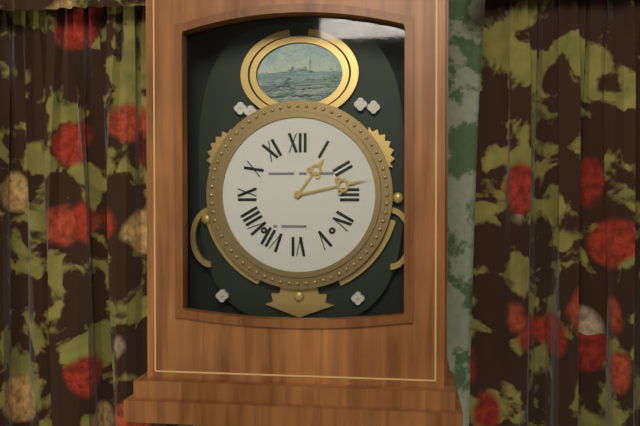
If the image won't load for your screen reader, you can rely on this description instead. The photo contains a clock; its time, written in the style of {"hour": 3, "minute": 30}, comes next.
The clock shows {"hour": 1, "minute": 13}
